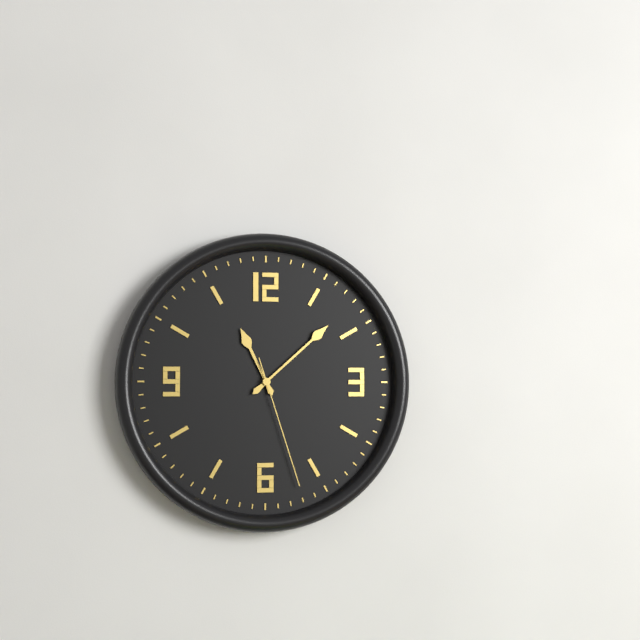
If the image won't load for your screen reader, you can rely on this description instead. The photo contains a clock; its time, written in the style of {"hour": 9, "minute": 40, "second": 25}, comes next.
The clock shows {"hour": 11, "minute": 8, "second": 27}
